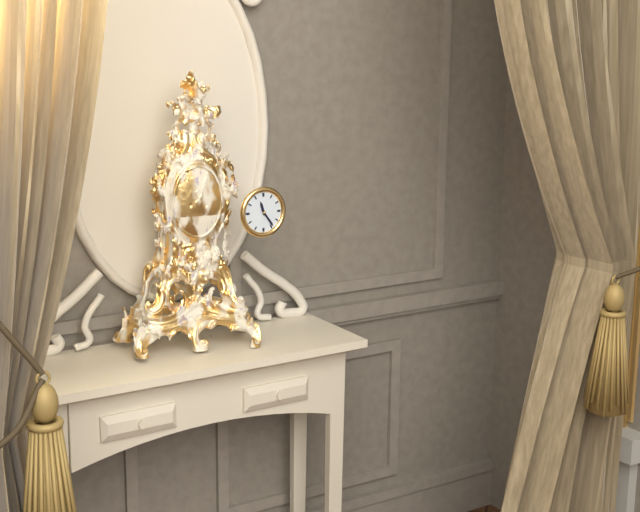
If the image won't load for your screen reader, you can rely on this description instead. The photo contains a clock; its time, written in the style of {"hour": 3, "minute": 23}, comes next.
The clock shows {"hour": 11, "minute": 24}
